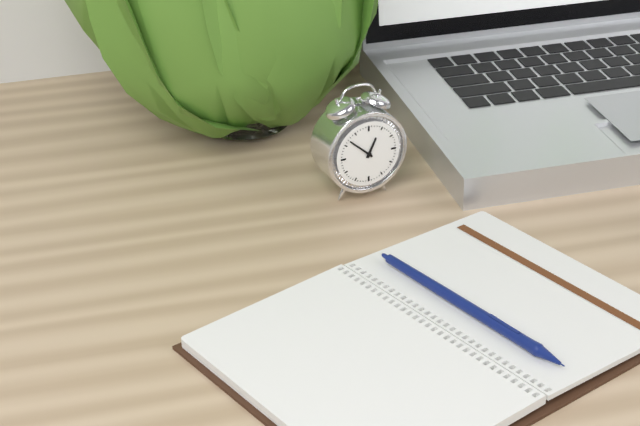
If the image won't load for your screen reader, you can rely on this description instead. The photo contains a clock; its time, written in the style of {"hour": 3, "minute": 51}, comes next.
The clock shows {"hour": 12, "minute": 52}
